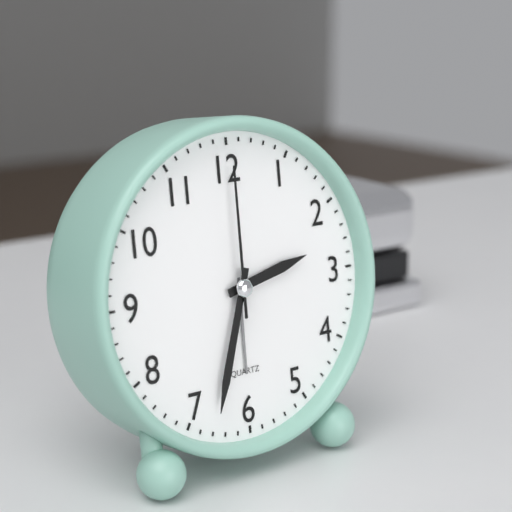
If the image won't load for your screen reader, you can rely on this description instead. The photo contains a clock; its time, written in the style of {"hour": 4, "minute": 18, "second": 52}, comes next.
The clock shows {"hour": 2, "minute": 33, "second": 0}
